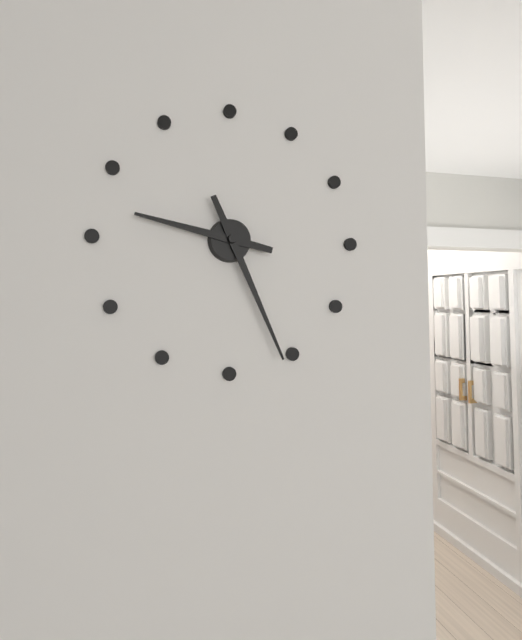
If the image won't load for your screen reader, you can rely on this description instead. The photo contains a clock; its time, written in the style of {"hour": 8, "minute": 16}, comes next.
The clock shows {"hour": 9, "minute": 26}
